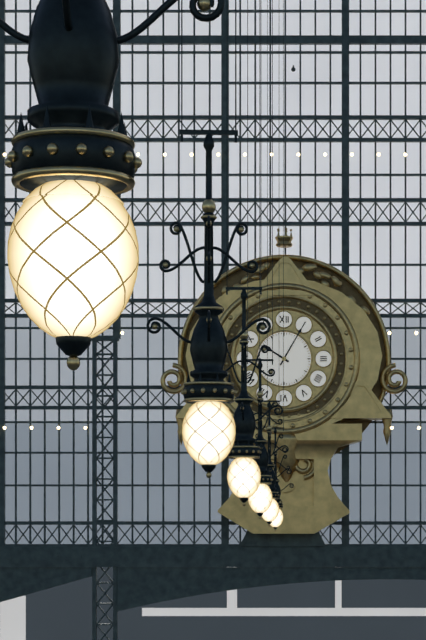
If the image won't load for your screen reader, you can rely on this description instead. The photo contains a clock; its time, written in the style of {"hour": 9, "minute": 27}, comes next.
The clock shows {"hour": 10, "minute": 5}
